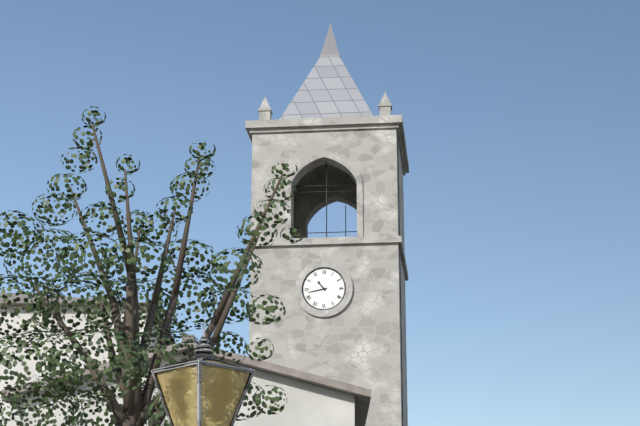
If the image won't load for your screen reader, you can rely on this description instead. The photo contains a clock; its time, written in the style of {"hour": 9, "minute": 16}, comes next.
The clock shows {"hour": 10, "minute": 43}
